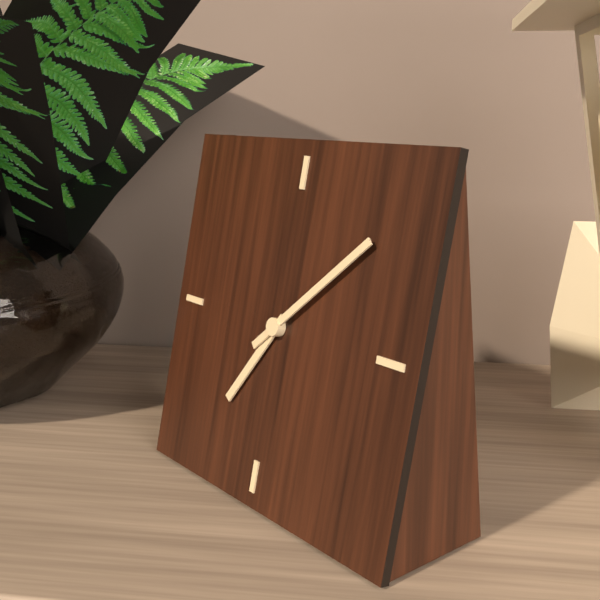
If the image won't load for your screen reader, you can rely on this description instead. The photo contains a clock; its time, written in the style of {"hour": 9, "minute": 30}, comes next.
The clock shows {"hour": 7, "minute": 8}
